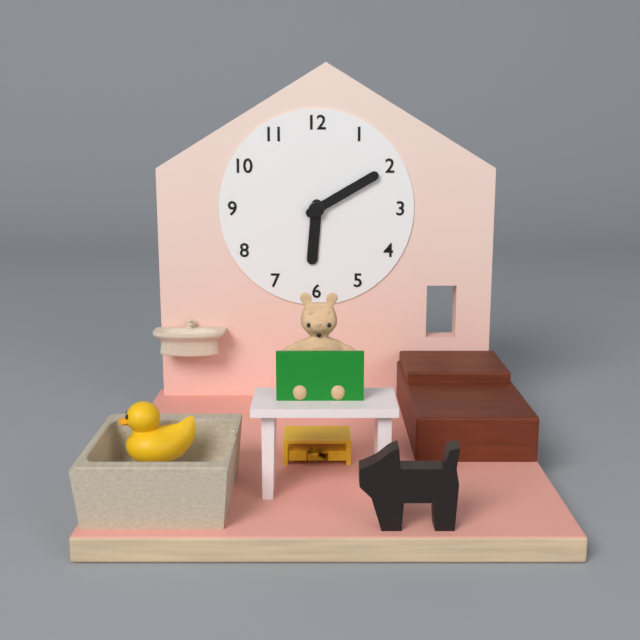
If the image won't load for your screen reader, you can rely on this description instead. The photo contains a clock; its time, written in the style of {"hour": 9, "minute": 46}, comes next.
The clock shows {"hour": 6, "minute": 10}
